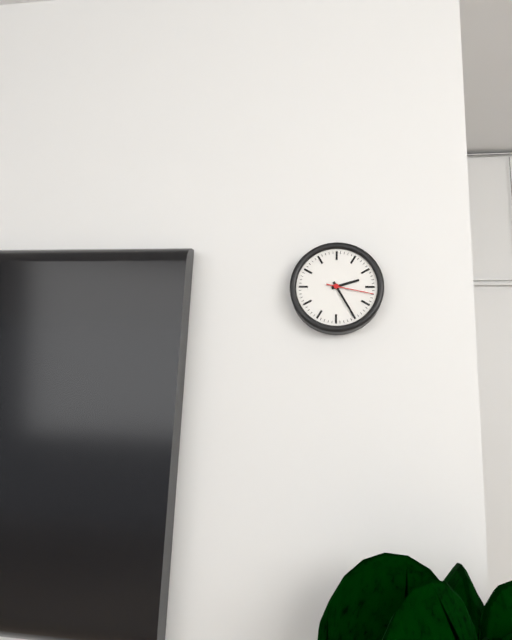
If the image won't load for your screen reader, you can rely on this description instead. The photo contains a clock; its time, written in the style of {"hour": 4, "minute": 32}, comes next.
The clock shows {"hour": 2, "minute": 25}
